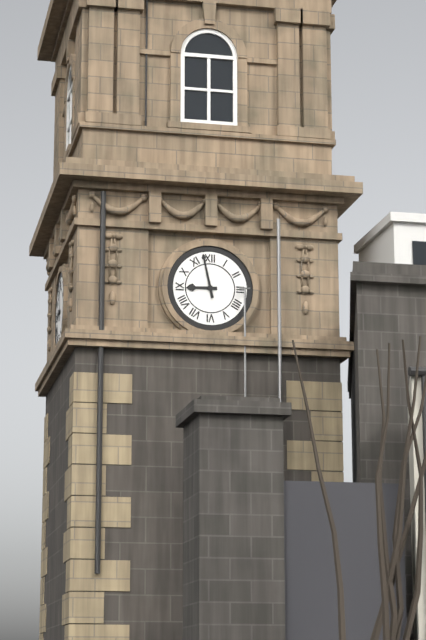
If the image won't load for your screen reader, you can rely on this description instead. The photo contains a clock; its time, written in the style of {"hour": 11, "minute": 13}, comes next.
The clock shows {"hour": 8, "minute": 58}
